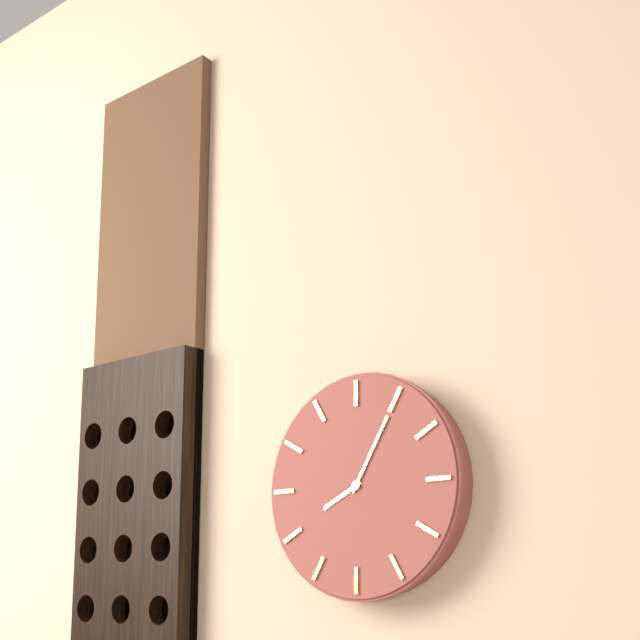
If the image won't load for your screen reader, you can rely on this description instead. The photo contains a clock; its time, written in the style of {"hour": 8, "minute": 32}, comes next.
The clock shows {"hour": 8, "minute": 5}
